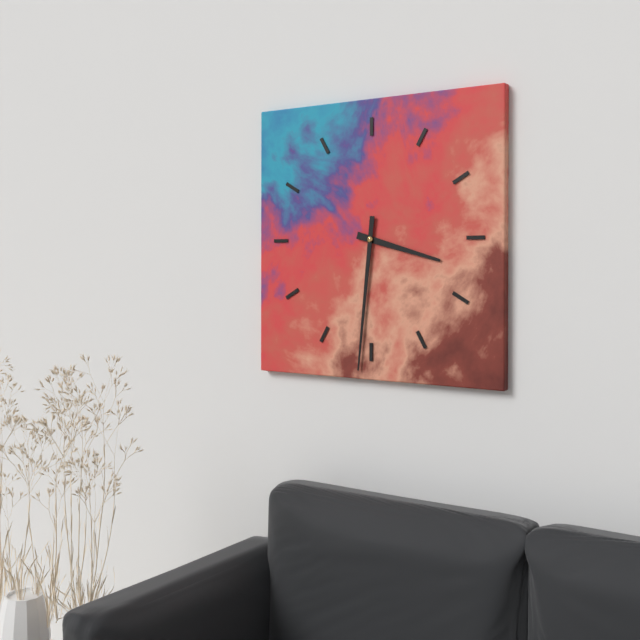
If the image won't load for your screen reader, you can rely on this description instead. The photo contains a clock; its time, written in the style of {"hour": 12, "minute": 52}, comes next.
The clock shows {"hour": 3, "minute": 31}
